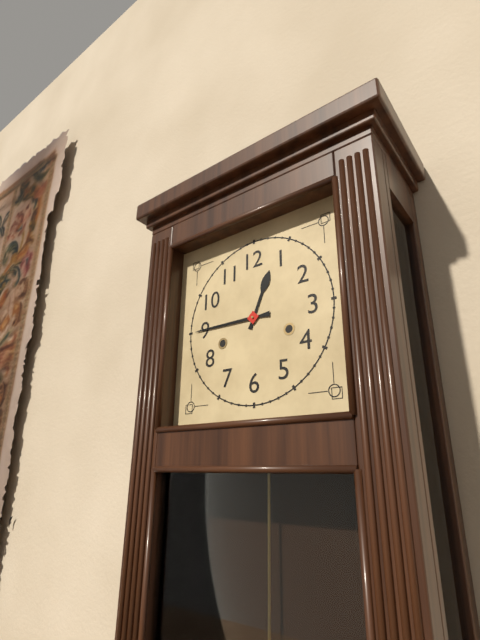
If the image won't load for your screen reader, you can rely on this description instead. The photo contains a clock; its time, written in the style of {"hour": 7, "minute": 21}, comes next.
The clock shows {"hour": 12, "minute": 45}
